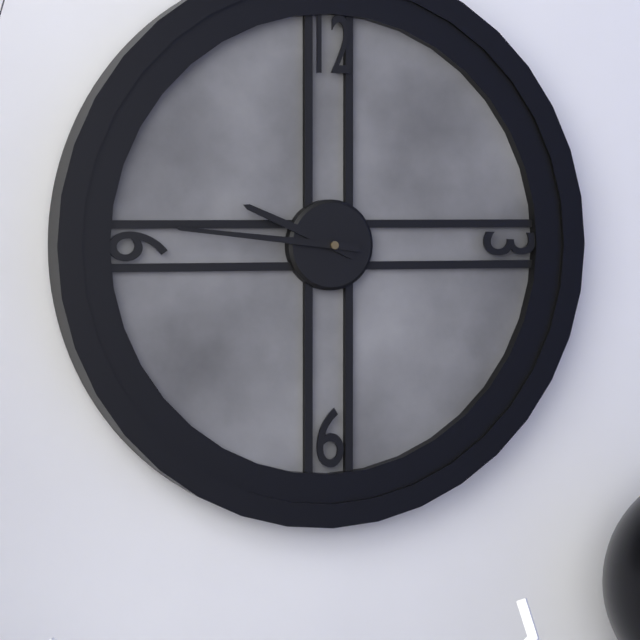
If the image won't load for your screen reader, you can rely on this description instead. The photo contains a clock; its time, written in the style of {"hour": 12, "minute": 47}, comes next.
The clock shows {"hour": 9, "minute": 46}
